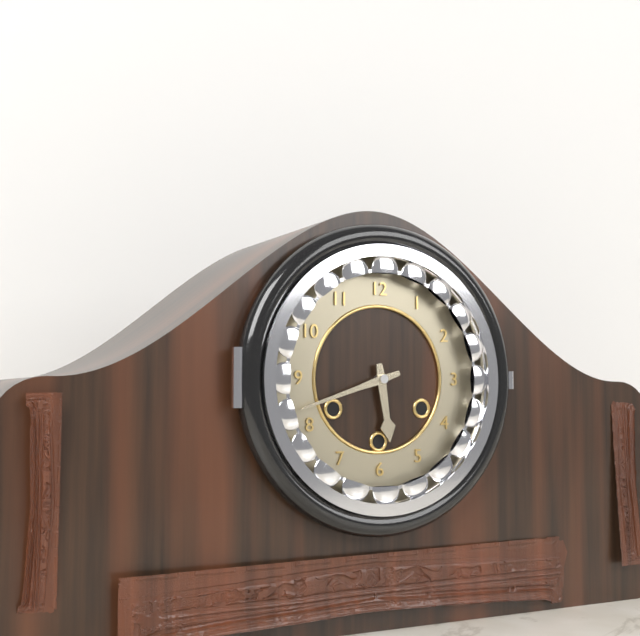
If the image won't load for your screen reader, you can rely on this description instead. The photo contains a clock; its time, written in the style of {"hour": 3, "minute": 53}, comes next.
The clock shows {"hour": 5, "minute": 42}
